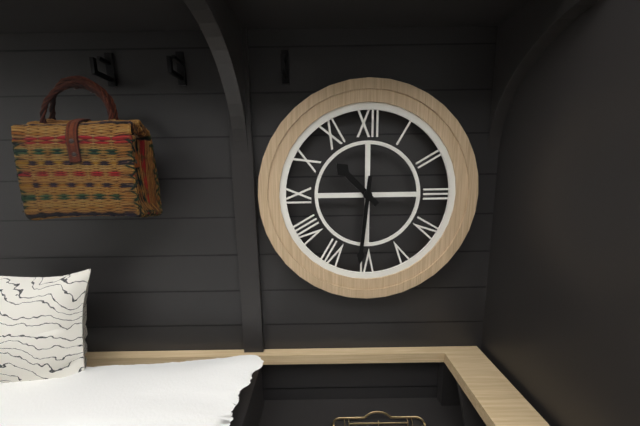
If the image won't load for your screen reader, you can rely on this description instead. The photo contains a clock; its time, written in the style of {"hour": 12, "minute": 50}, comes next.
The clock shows {"hour": 10, "minute": 31}
